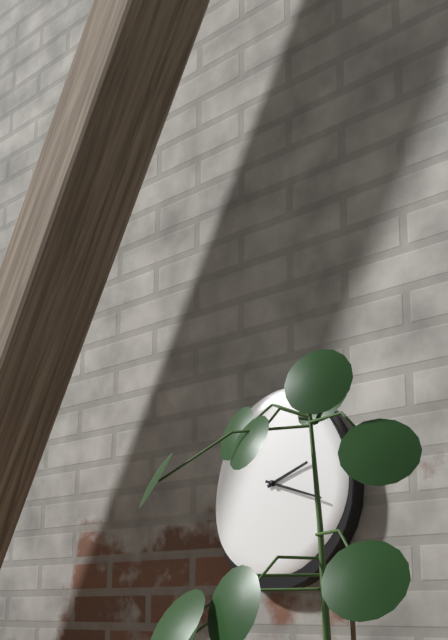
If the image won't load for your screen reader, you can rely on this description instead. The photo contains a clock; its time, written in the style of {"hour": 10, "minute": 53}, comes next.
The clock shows {"hour": 2, "minute": 18}
